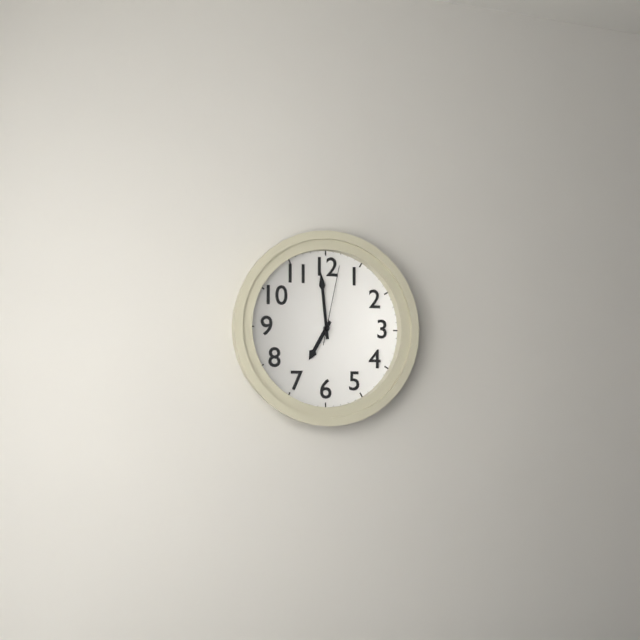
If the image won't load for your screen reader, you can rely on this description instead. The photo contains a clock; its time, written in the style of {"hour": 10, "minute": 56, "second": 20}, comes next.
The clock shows {"hour": 6, "minute": 59, "second": 2}
